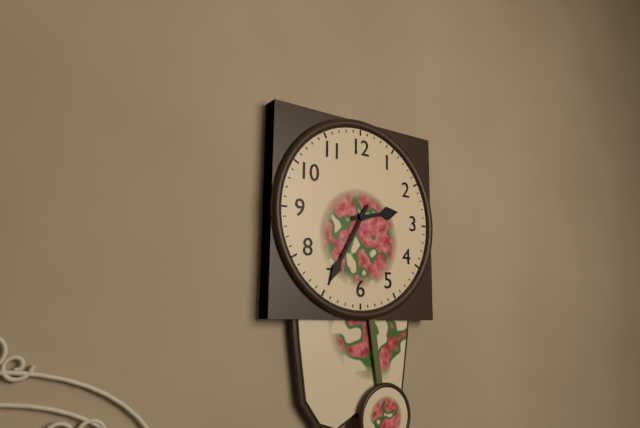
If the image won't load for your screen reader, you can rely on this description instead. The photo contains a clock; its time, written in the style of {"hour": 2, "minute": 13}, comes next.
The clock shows {"hour": 2, "minute": 35}
